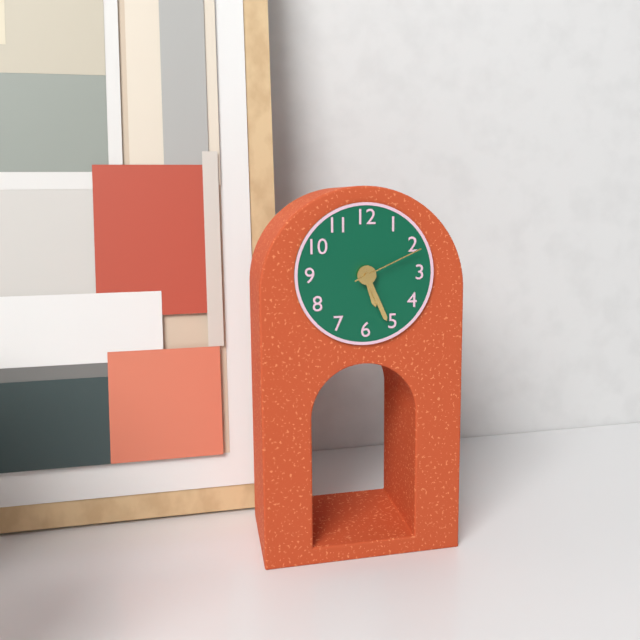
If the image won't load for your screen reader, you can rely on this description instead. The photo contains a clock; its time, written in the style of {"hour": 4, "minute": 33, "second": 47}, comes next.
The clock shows {"hour": 5, "minute": 26, "second": 11}
